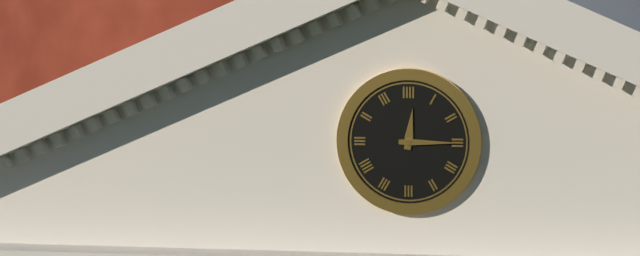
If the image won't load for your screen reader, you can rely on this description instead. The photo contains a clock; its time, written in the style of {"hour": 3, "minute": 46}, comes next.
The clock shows {"hour": 12, "minute": 15}
